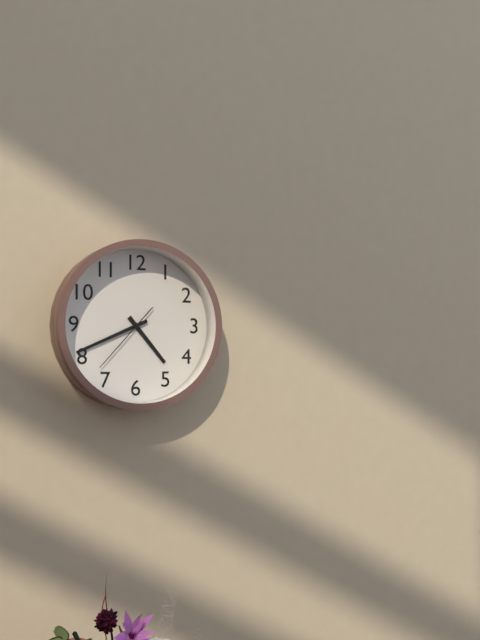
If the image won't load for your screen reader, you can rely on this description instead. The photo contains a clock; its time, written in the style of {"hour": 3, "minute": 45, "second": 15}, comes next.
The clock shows {"hour": 4, "minute": 41, "second": 37}
